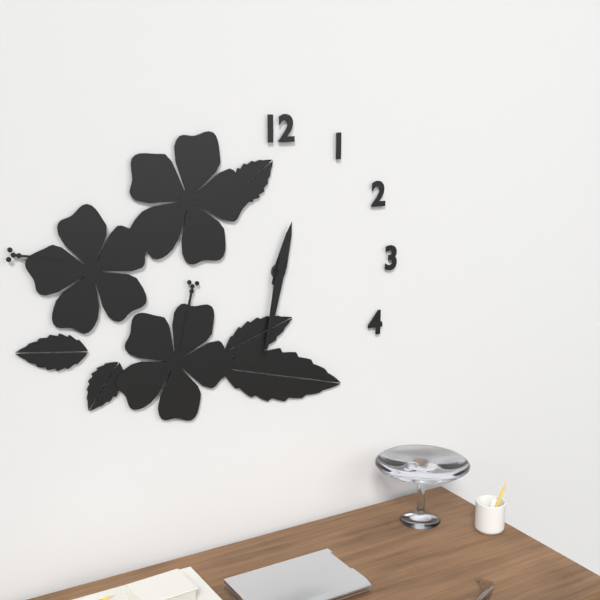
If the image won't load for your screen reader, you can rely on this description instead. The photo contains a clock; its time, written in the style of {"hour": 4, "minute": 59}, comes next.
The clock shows {"hour": 12, "minute": 32}
